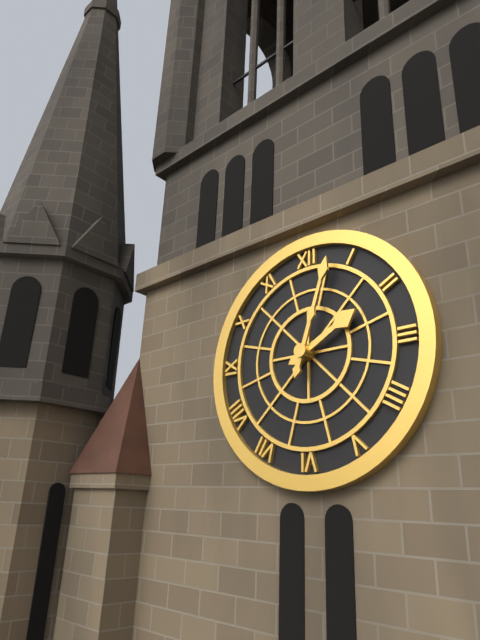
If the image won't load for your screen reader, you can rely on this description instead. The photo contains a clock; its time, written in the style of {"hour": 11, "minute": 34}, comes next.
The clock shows {"hour": 2, "minute": 3}
